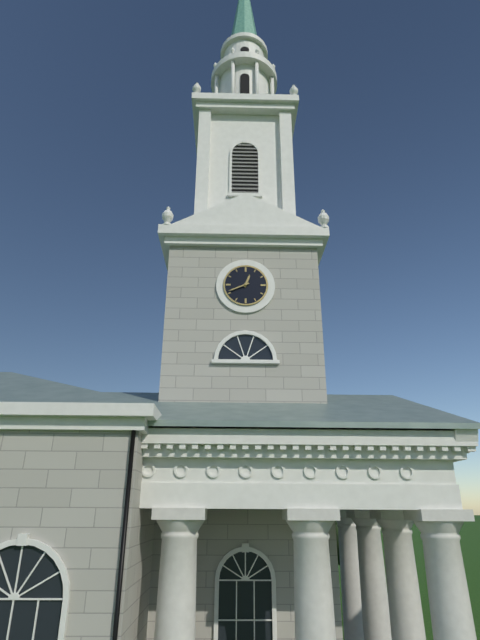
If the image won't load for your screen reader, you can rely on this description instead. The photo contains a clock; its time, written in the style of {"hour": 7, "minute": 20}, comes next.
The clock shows {"hour": 12, "minute": 41}
